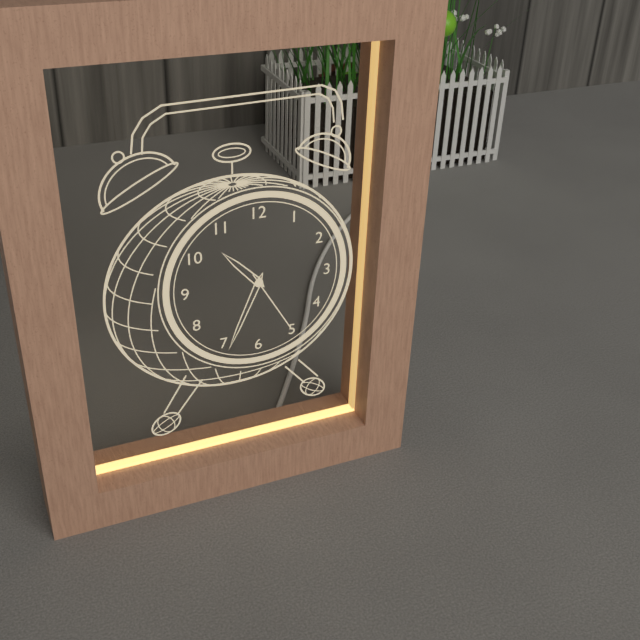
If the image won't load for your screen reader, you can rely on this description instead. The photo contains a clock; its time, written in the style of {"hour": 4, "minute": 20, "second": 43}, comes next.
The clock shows {"hour": 10, "minute": 34, "second": 25}
